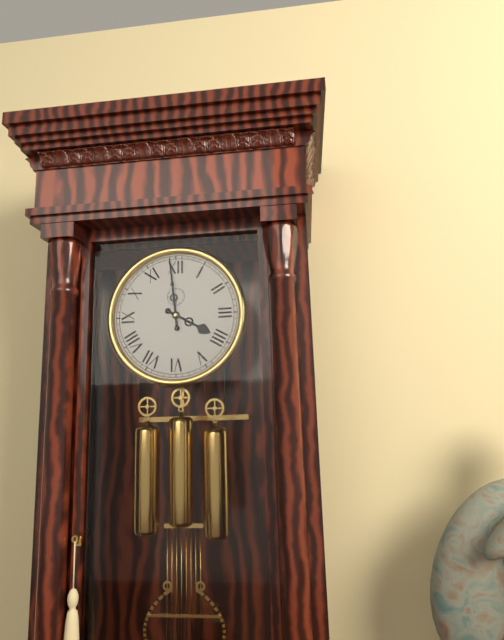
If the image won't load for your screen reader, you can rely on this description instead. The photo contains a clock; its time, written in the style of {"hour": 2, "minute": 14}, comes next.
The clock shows {"hour": 3, "minute": 59}
